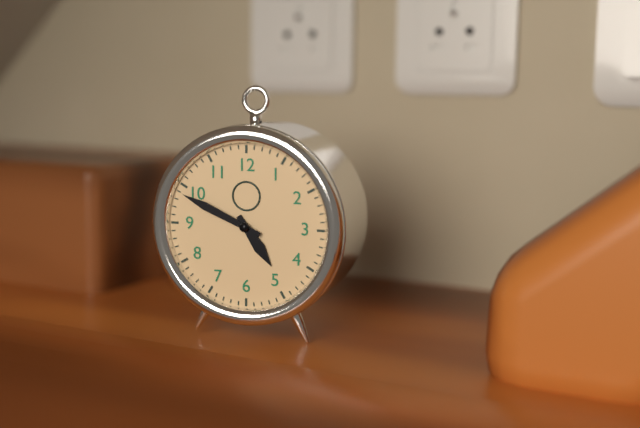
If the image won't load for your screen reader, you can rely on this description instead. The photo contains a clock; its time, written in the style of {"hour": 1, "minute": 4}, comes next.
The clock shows {"hour": 4, "minute": 49}
